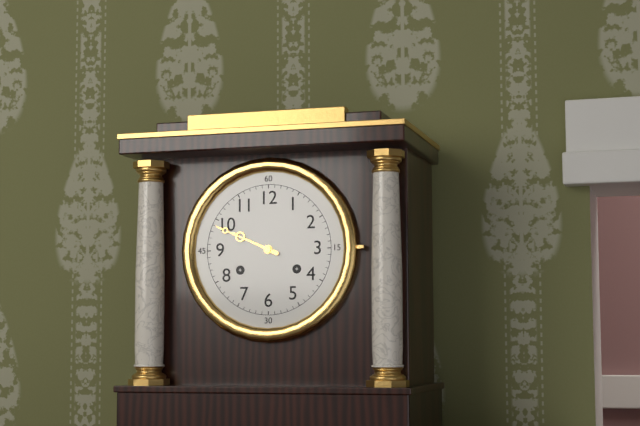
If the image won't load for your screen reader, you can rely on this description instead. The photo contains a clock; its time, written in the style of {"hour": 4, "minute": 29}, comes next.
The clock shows {"hour": 9, "minute": 49}
